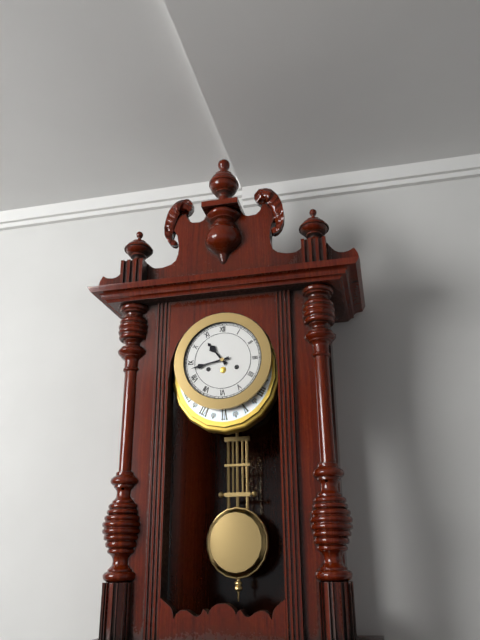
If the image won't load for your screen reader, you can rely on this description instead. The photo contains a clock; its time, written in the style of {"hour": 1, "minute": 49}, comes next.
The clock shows {"hour": 10, "minute": 43}
